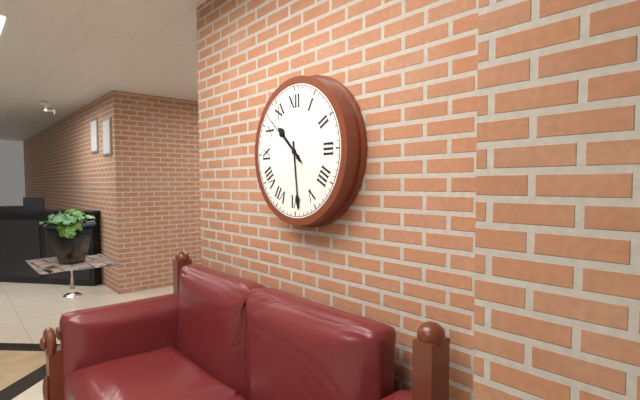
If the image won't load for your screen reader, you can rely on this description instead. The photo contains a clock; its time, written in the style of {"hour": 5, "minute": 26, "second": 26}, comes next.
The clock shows {"hour": 10, "minute": 29, "second": 52}
